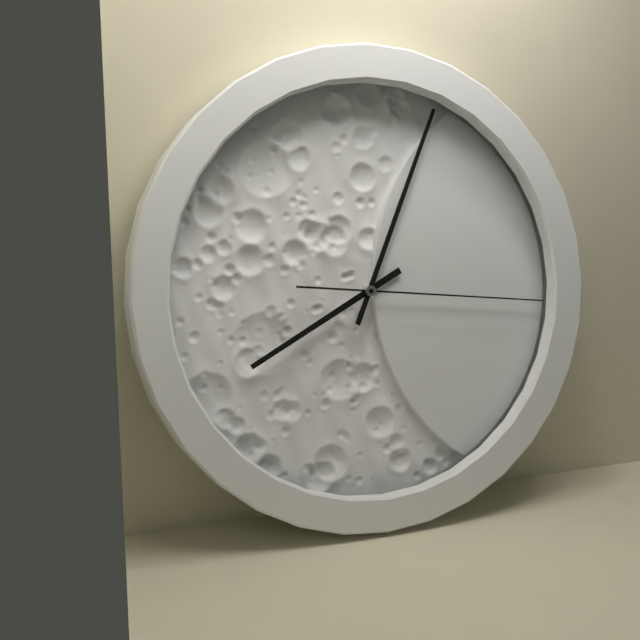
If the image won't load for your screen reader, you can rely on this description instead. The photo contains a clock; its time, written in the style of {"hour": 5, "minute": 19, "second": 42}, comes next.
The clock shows {"hour": 8, "minute": 4, "second": 16}
